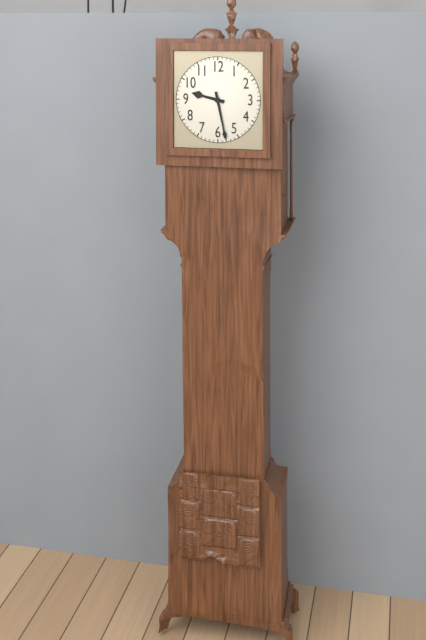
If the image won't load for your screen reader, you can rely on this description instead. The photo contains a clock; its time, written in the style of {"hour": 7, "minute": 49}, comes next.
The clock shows {"hour": 9, "minute": 28}
